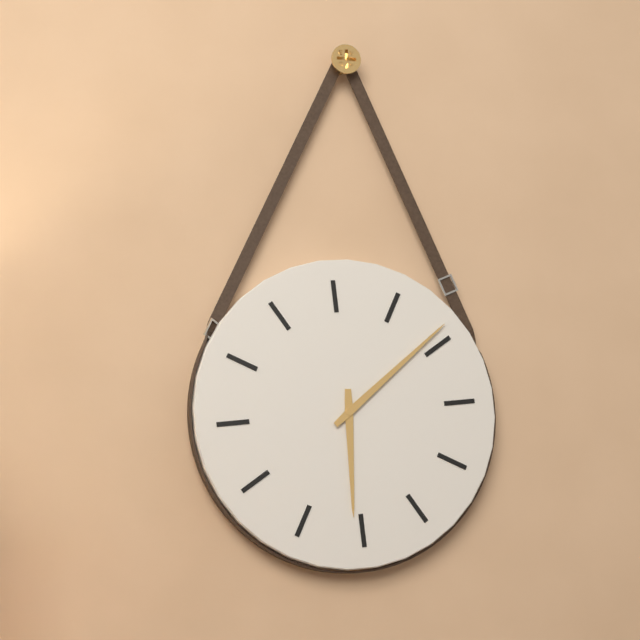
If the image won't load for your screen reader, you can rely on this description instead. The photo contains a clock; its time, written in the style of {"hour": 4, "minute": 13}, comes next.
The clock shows {"hour": 6, "minute": 9}
